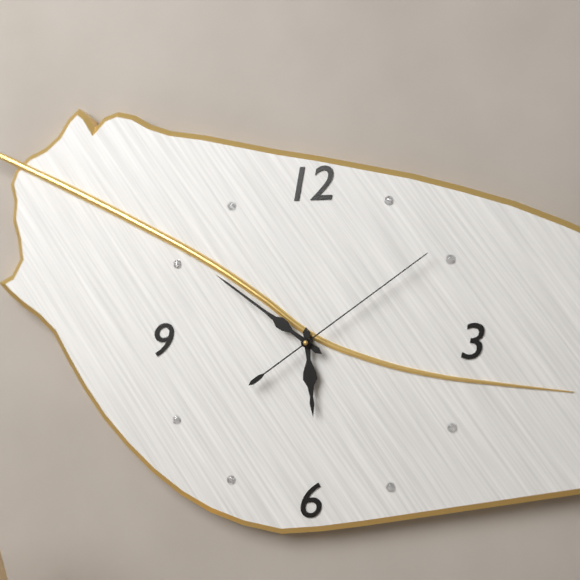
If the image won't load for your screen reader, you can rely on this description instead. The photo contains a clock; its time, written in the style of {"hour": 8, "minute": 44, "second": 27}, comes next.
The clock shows {"hour": 5, "minute": 51, "second": 9}
